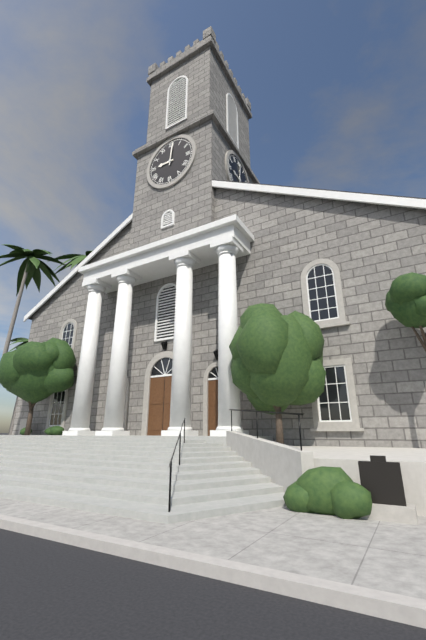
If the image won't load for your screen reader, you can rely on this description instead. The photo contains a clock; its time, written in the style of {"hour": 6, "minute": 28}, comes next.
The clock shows {"hour": 9, "minute": 1}
